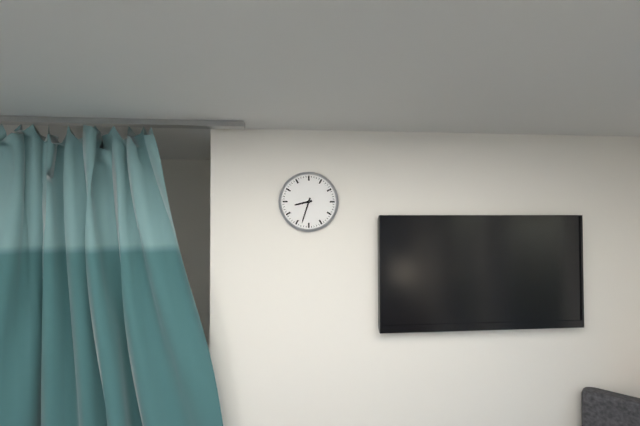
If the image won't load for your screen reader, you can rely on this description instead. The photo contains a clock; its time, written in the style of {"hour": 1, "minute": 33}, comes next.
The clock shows {"hour": 8, "minute": 33}
